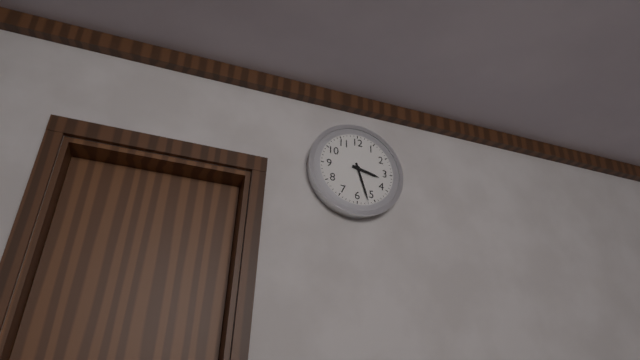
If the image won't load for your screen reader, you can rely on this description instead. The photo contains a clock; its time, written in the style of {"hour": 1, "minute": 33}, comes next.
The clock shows {"hour": 3, "minute": 27}
